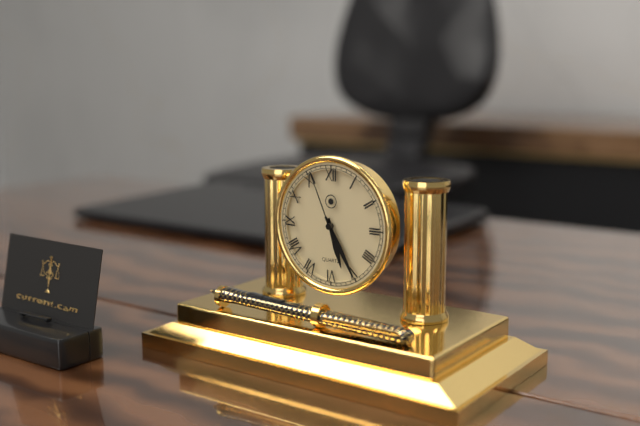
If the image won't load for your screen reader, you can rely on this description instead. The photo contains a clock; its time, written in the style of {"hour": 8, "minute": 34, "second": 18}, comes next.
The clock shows {"hour": 5, "minute": 25, "second": 56}
